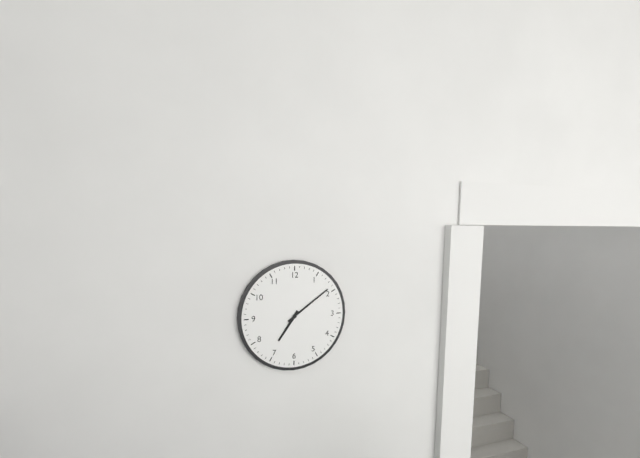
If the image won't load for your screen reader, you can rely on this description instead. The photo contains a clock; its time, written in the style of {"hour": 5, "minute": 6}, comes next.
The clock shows {"hour": 7, "minute": 9}
